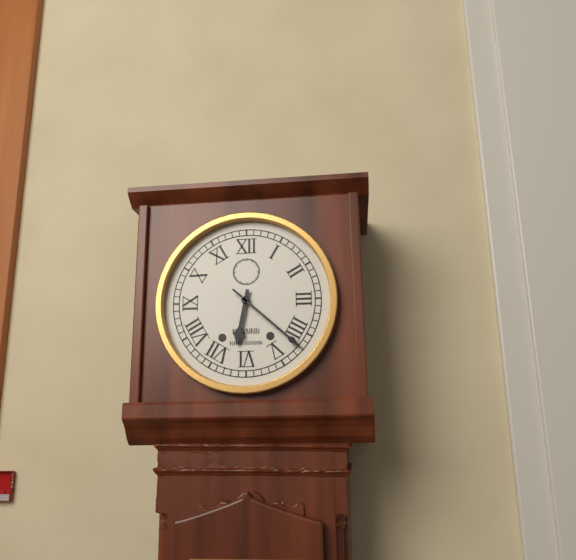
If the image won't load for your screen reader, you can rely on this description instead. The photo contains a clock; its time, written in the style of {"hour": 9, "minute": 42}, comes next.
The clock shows {"hour": 6, "minute": 22}
